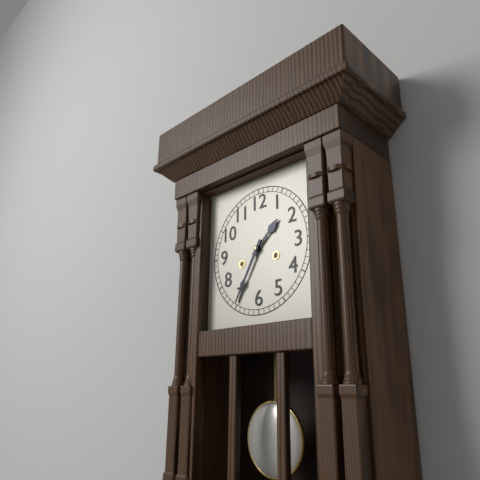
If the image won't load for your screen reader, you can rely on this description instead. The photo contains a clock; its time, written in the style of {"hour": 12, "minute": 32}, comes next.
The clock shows {"hour": 1, "minute": 35}
